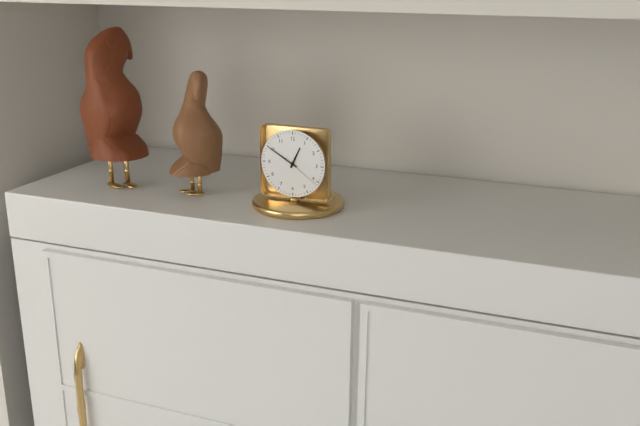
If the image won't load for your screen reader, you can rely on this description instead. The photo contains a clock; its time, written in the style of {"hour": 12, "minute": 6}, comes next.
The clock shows {"hour": 12, "minute": 50}
